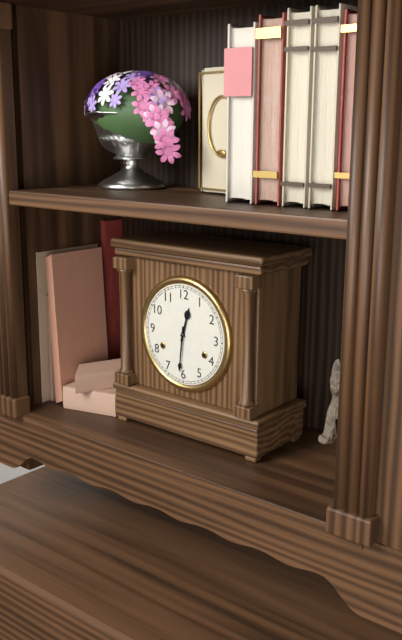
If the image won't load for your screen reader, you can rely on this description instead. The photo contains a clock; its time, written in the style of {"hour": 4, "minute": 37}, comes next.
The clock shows {"hour": 12, "minute": 31}
